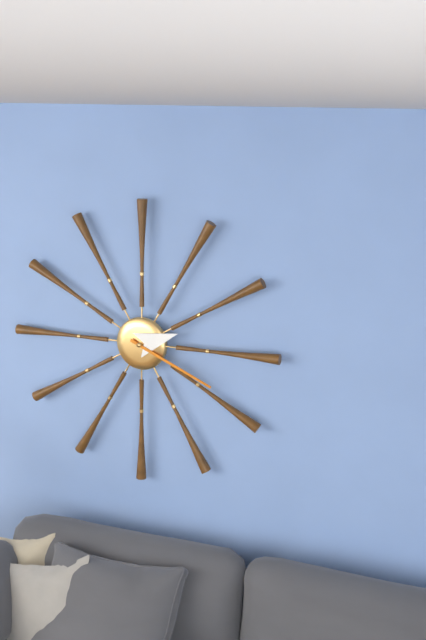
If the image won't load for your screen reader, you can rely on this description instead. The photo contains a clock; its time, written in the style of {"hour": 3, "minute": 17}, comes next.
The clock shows {"hour": 2, "minute": 19}
